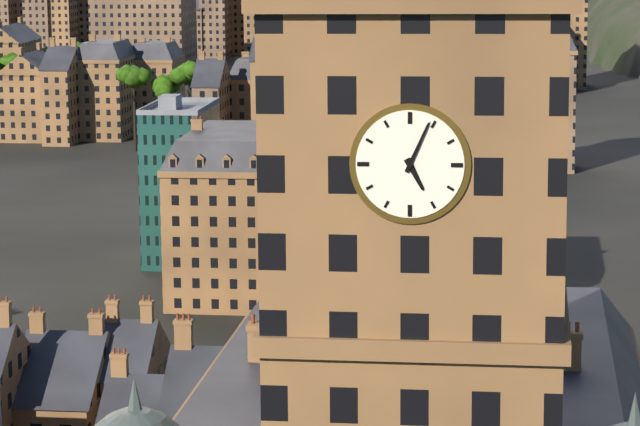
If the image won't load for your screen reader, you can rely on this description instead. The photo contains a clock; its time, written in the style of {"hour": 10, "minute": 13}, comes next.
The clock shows {"hour": 5, "minute": 4}
